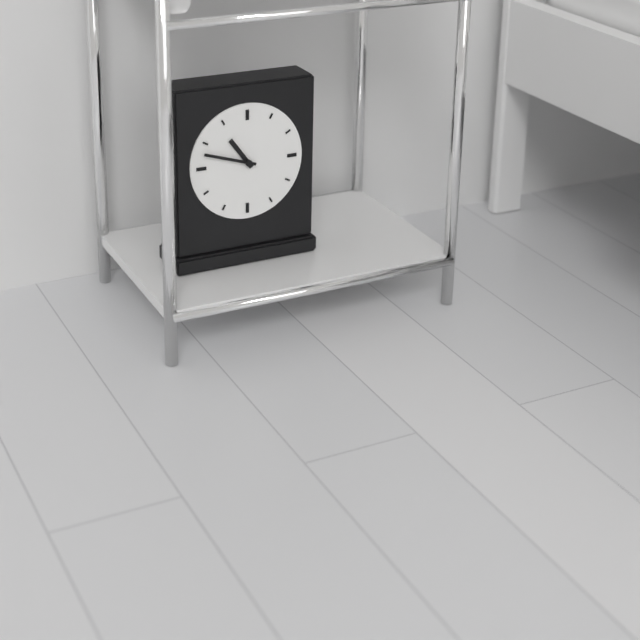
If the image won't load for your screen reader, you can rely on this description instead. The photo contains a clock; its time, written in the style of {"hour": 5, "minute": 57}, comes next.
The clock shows {"hour": 10, "minute": 48}
